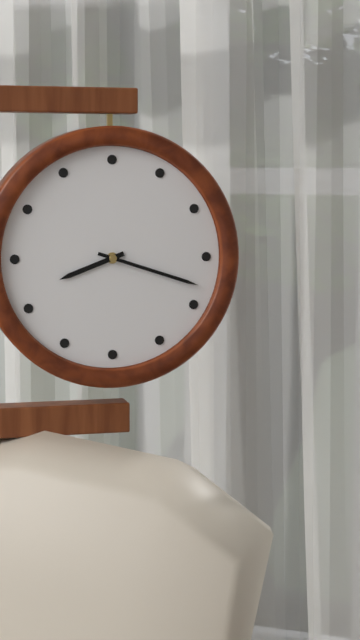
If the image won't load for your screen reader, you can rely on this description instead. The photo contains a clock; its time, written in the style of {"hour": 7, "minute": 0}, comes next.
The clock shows {"hour": 8, "minute": 18}
